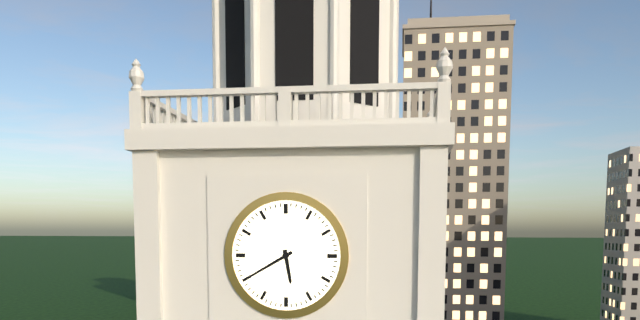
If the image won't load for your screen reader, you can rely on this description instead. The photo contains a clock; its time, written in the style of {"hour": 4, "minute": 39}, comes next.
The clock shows {"hour": 5, "minute": 40}
